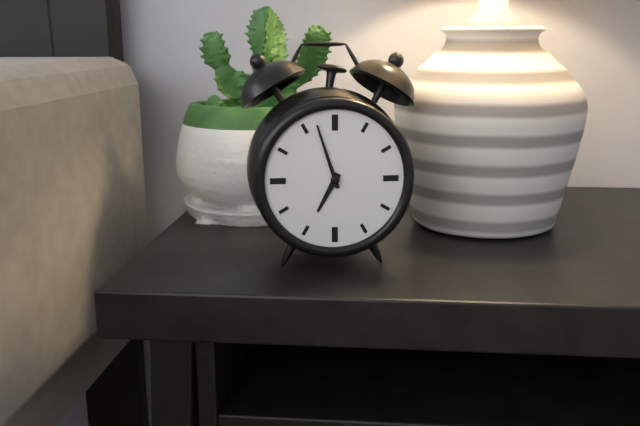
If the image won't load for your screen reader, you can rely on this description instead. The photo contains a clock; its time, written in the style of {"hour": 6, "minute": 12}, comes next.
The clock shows {"hour": 6, "minute": 57}
